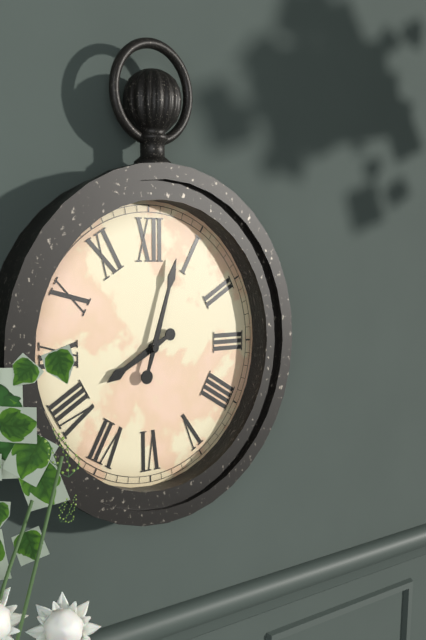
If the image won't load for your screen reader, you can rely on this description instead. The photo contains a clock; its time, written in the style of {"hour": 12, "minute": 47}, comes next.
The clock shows {"hour": 8, "minute": 3}
